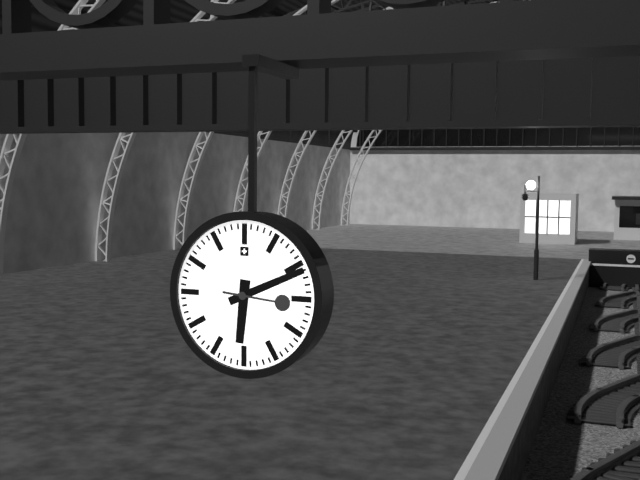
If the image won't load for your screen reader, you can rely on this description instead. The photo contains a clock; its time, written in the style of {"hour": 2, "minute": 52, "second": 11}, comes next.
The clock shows {"hour": 6, "minute": 11, "second": 16}
